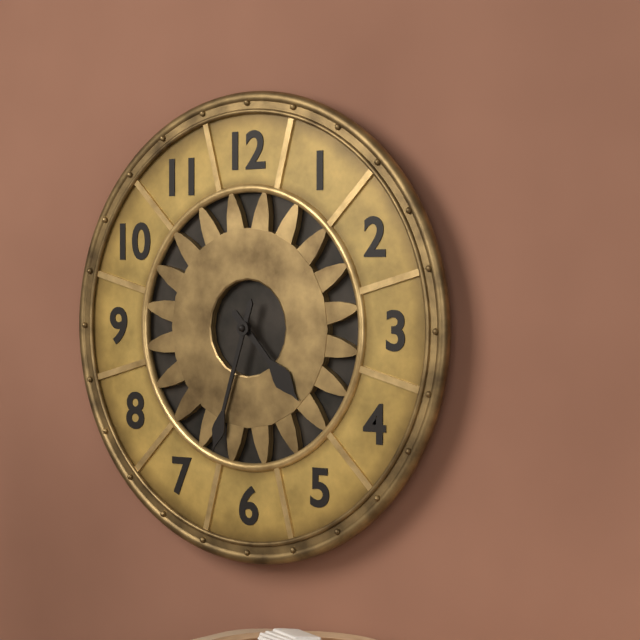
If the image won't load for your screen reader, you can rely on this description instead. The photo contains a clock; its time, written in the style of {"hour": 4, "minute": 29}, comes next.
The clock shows {"hour": 4, "minute": 33}
